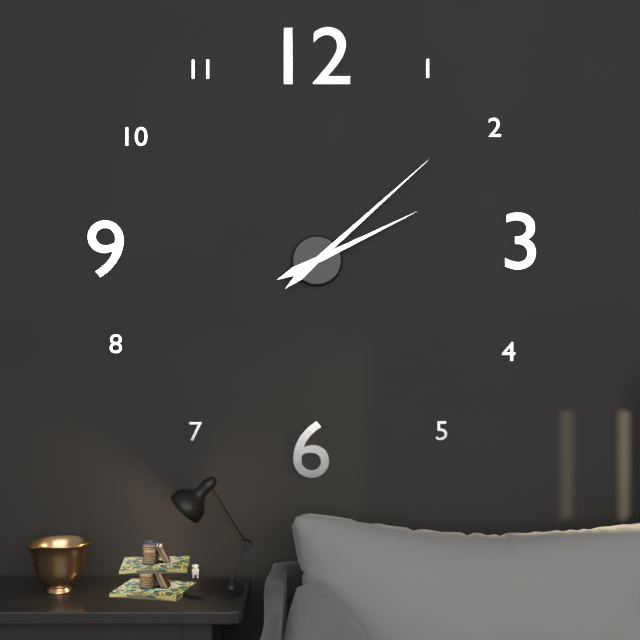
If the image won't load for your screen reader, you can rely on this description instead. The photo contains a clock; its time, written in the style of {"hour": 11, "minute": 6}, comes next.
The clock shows {"hour": 2, "minute": 8}
